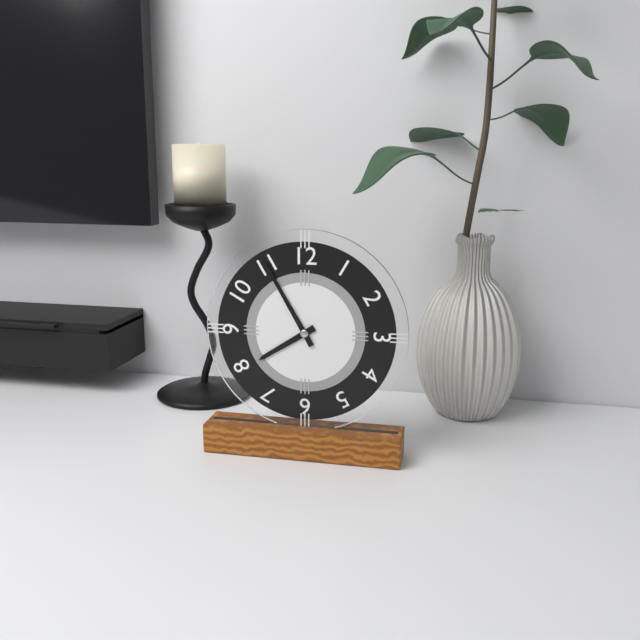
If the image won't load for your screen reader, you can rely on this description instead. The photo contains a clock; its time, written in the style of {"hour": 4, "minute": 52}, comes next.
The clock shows {"hour": 7, "minute": 55}
